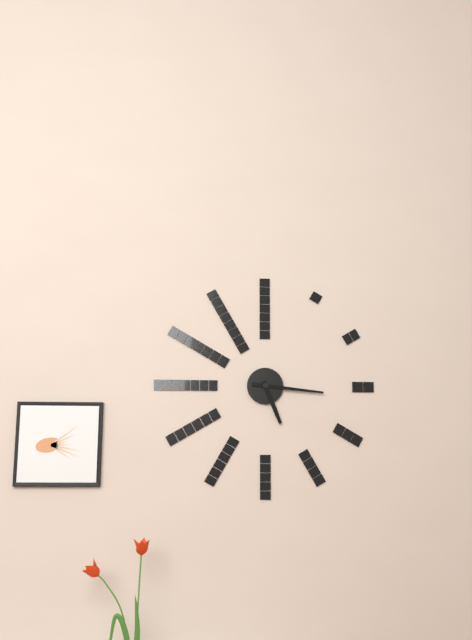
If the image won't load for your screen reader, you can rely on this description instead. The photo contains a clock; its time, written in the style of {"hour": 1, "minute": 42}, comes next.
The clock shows {"hour": 5, "minute": 16}
